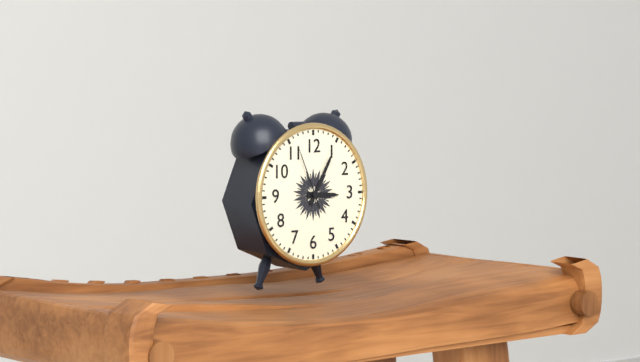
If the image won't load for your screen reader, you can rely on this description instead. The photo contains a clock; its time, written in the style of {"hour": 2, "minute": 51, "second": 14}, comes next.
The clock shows {"hour": 3, "minute": 5, "second": 56}
